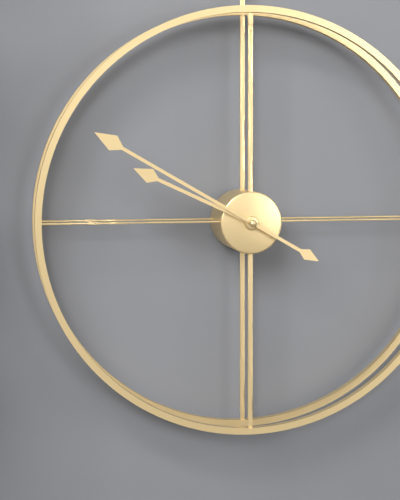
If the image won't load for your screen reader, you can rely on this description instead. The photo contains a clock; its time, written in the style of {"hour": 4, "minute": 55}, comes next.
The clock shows {"hour": 9, "minute": 50}
